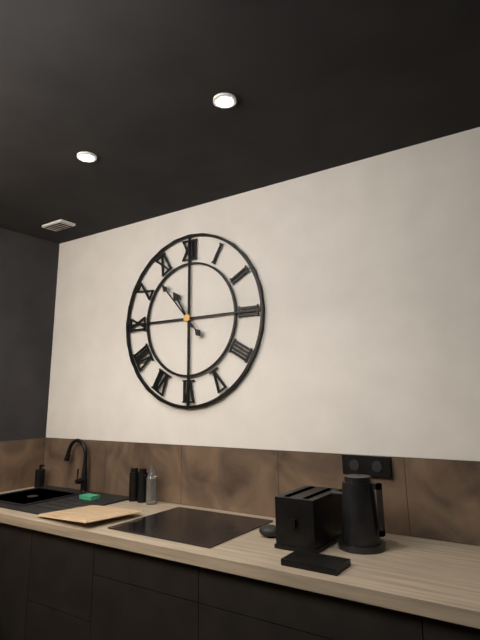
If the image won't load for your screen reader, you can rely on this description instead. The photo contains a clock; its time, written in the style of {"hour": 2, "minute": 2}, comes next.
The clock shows {"hour": 10, "minute": 53}
